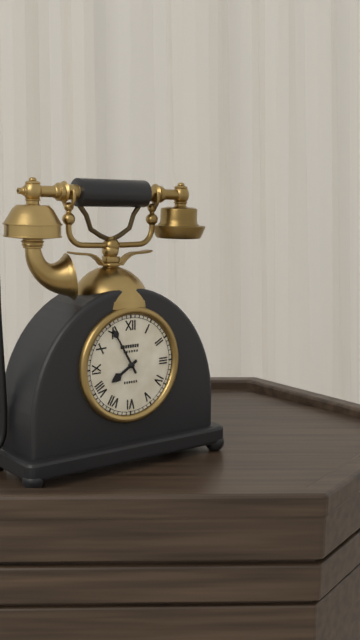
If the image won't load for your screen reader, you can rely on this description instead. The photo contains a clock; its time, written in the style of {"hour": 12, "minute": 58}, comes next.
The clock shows {"hour": 7, "minute": 55}
